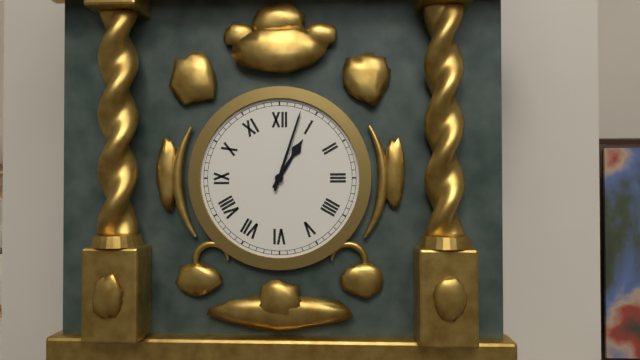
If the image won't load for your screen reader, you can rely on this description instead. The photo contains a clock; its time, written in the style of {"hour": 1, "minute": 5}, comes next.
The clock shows {"hour": 1, "minute": 3}
